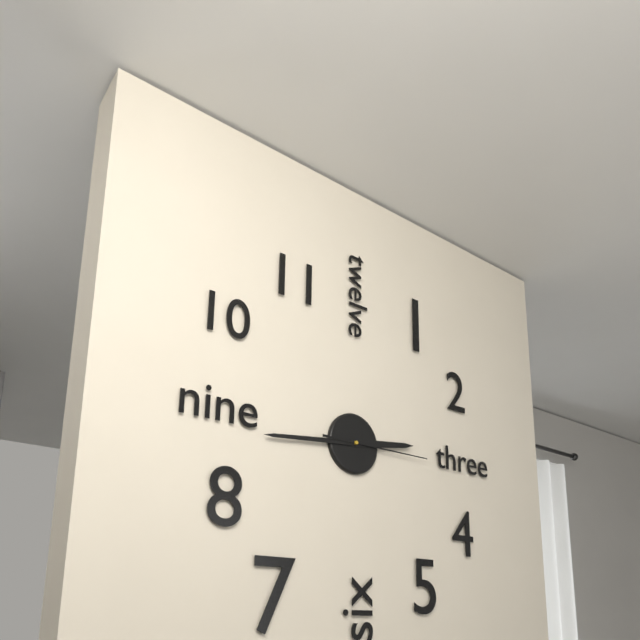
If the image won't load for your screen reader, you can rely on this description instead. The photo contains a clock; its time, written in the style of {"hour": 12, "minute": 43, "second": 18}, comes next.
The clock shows {"hour": 2, "minute": 44, "second": 15}
